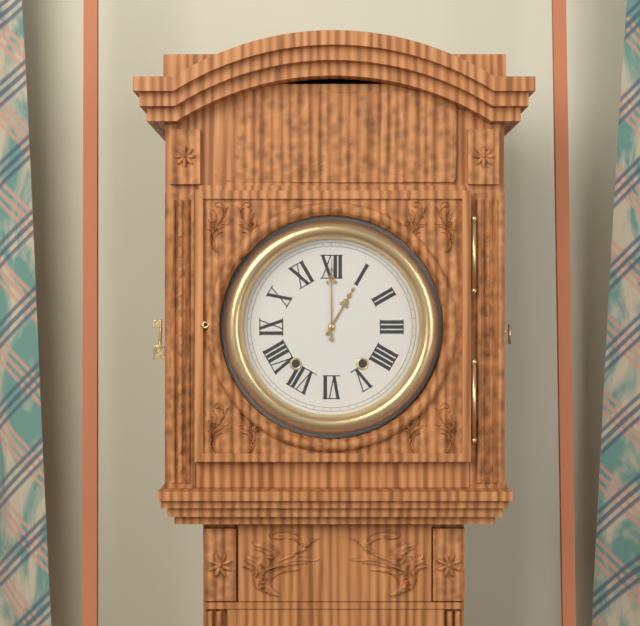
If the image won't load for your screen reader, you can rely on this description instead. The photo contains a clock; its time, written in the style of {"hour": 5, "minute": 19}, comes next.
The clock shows {"hour": 1, "minute": 0}
